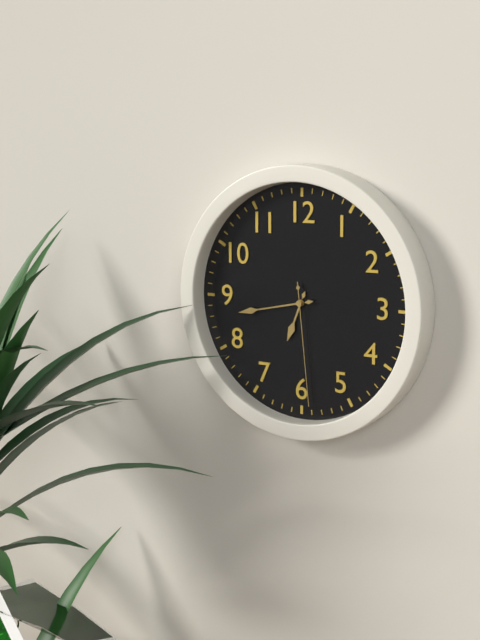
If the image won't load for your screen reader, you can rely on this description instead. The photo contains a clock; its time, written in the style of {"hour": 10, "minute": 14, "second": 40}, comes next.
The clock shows {"hour": 6, "minute": 43, "second": 29}
